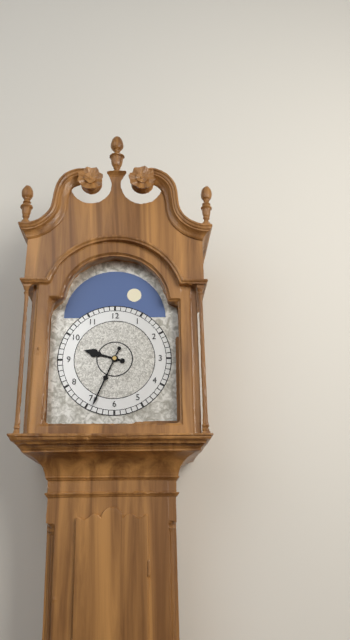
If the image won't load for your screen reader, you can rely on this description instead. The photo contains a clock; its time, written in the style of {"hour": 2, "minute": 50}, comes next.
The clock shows {"hour": 9, "minute": 34}
